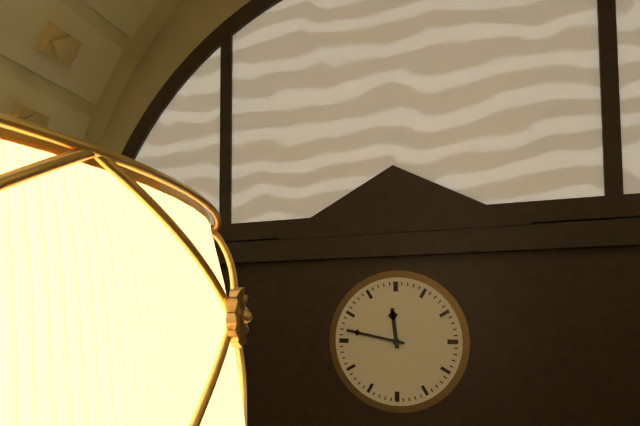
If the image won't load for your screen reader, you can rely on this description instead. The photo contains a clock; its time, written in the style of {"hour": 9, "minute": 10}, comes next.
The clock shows {"hour": 11, "minute": 47}
